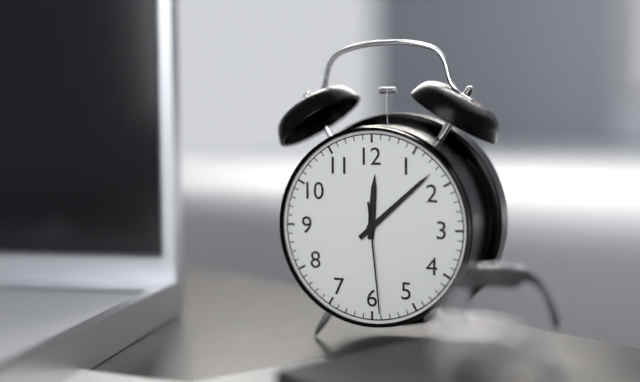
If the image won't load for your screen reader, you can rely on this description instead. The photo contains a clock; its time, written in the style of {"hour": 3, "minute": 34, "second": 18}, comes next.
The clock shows {"hour": 12, "minute": 8, "second": 29}
